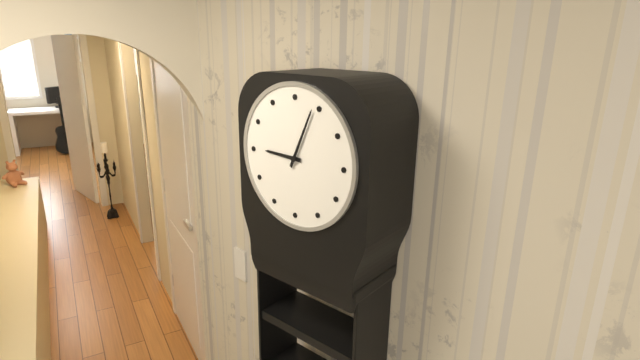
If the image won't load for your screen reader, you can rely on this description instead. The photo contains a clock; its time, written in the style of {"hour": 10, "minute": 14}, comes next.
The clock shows {"hour": 9, "minute": 4}
